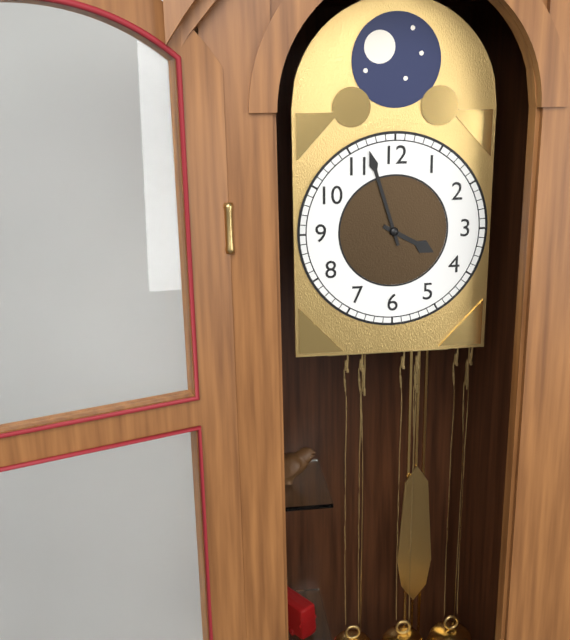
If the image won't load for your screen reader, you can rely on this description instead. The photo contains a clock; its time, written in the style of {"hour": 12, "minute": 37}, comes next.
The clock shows {"hour": 3, "minute": 57}
